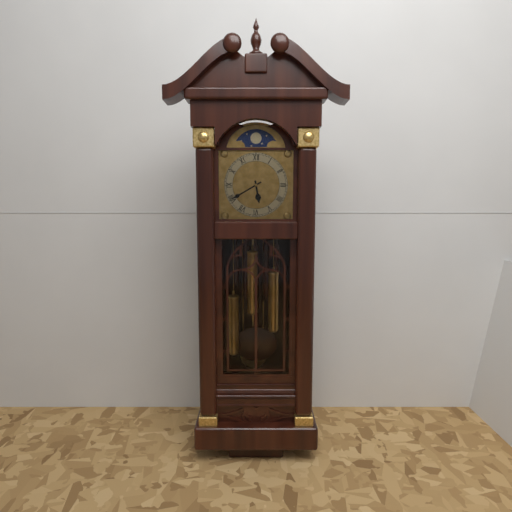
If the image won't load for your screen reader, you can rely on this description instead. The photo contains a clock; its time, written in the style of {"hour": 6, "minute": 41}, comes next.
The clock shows {"hour": 5, "minute": 40}
